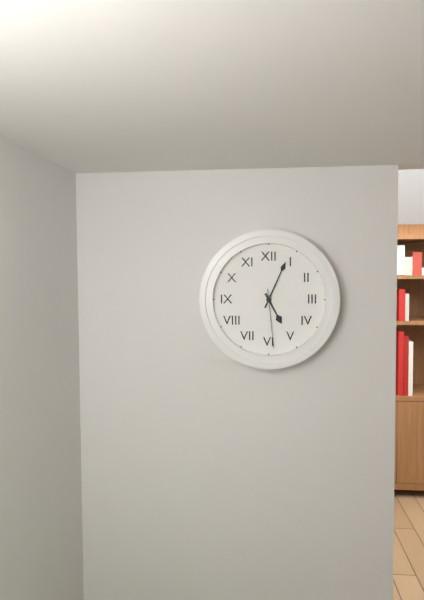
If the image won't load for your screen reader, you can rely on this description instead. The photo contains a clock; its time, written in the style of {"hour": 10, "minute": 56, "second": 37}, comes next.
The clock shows {"hour": 5, "minute": 4, "second": 29}
